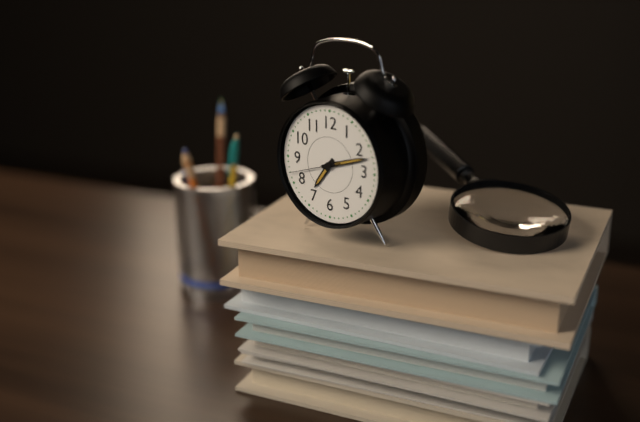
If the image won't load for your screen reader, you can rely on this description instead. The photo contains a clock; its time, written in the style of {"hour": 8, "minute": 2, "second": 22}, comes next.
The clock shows {"hour": 7, "minute": 12, "second": 42}
